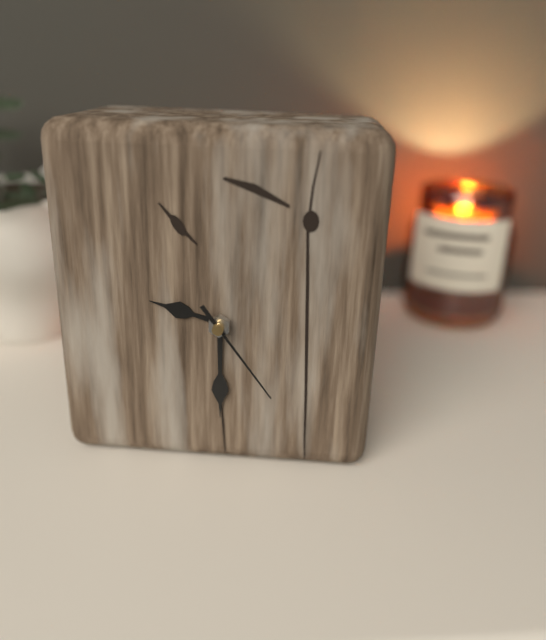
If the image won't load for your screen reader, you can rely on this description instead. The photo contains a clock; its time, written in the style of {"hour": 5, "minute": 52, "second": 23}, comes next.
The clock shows {"hour": 9, "minute": 30, "second": 24}
